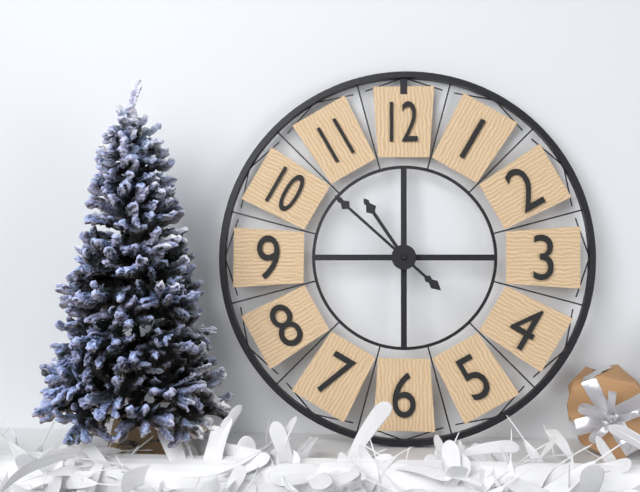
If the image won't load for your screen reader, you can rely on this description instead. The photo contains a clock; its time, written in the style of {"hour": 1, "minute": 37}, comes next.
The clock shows {"hour": 10, "minute": 52}
